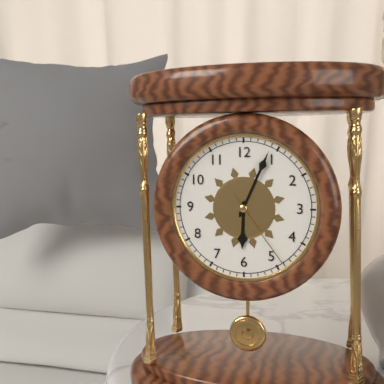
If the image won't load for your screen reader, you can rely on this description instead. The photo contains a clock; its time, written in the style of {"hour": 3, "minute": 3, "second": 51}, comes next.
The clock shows {"hour": 6, "minute": 4, "second": 24}
